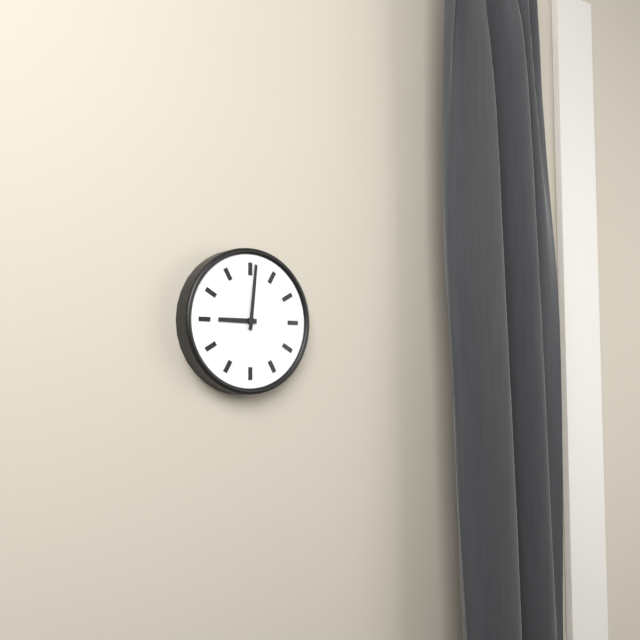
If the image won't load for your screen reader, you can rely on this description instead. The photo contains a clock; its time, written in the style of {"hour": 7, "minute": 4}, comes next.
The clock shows {"hour": 9, "minute": 1}
